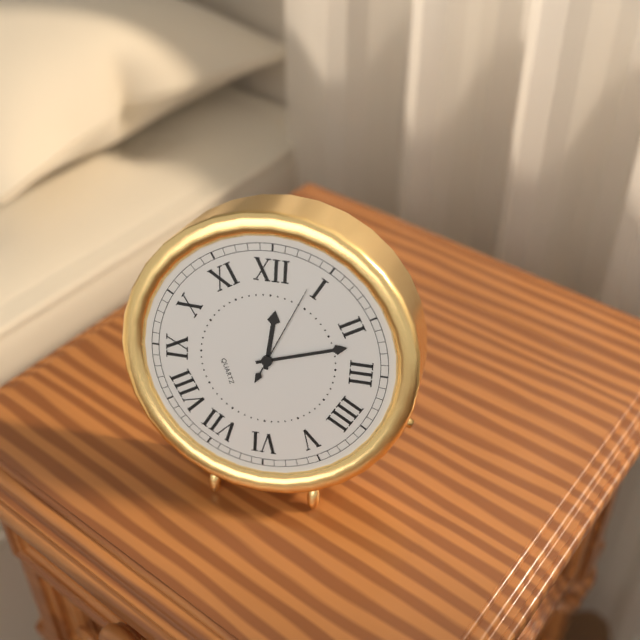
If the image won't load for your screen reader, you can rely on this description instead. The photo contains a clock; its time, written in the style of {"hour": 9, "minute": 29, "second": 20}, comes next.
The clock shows {"hour": 12, "minute": 12, "second": 4}
